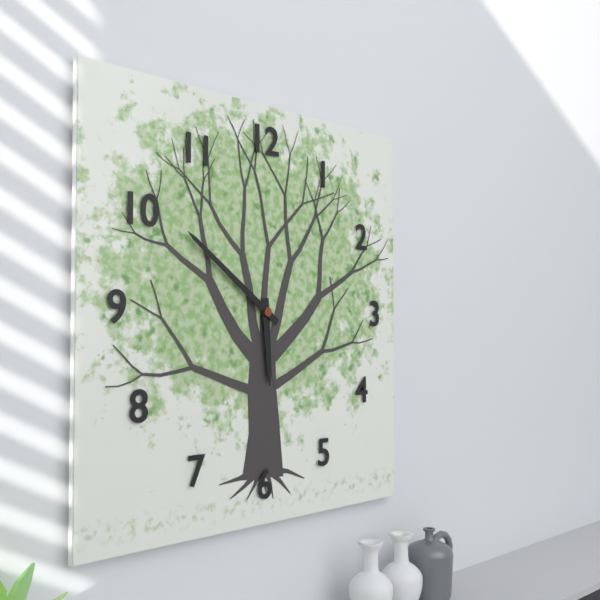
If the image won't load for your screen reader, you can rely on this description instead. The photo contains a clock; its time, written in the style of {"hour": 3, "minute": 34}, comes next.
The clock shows {"hour": 5, "minute": 51}
